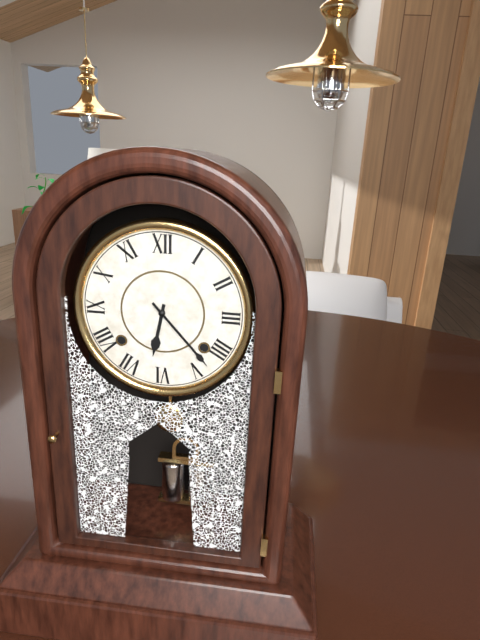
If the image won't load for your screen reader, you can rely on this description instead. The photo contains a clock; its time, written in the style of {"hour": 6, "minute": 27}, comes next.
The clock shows {"hour": 6, "minute": 23}
